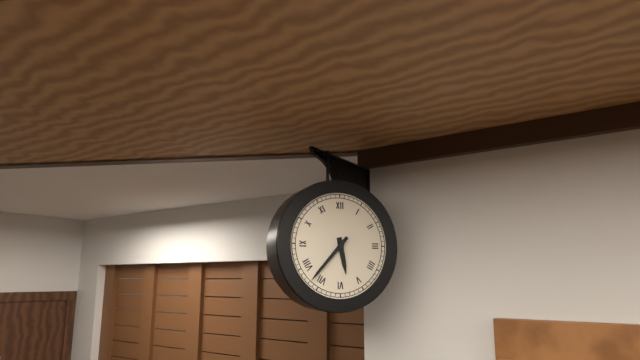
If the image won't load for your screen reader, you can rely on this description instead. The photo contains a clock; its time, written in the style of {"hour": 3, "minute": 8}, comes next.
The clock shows {"hour": 5, "minute": 37}
